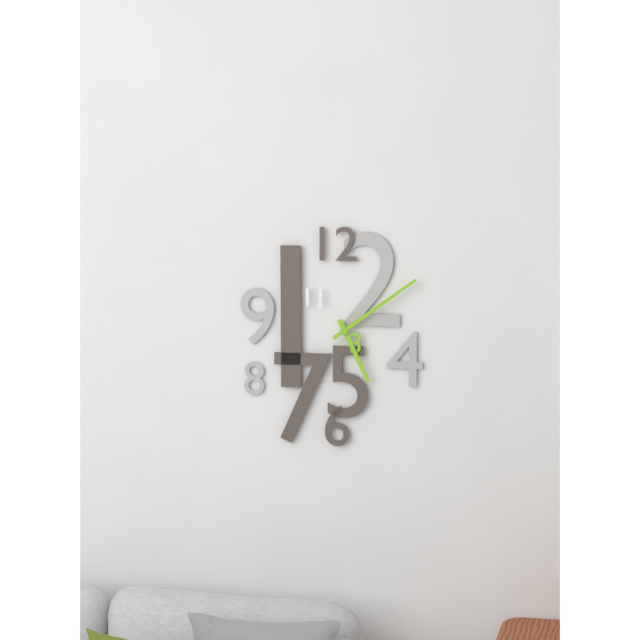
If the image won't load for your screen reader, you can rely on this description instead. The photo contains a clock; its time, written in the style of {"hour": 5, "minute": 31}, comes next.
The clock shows {"hour": 5, "minute": 9}
